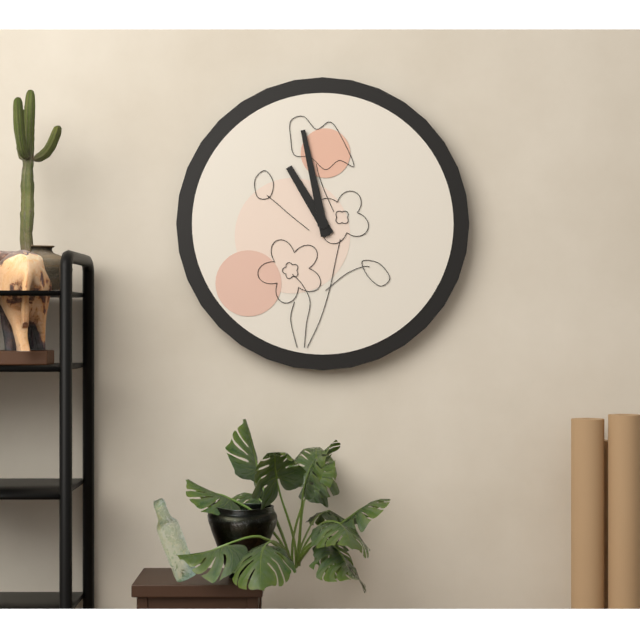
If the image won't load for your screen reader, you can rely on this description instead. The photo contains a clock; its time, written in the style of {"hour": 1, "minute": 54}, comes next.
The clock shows {"hour": 10, "minute": 58}
